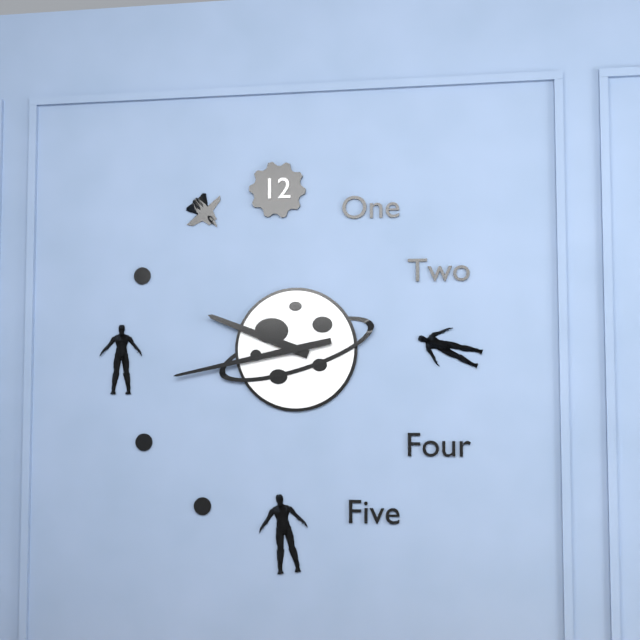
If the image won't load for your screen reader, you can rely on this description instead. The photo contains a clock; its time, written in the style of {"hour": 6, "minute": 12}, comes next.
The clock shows {"hour": 9, "minute": 43}
